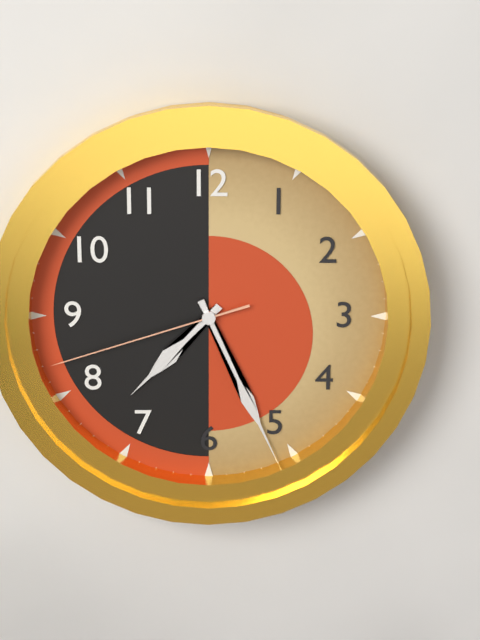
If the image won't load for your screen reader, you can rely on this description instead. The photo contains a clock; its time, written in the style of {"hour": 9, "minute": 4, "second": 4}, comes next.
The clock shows {"hour": 7, "minute": 26, "second": 42}
